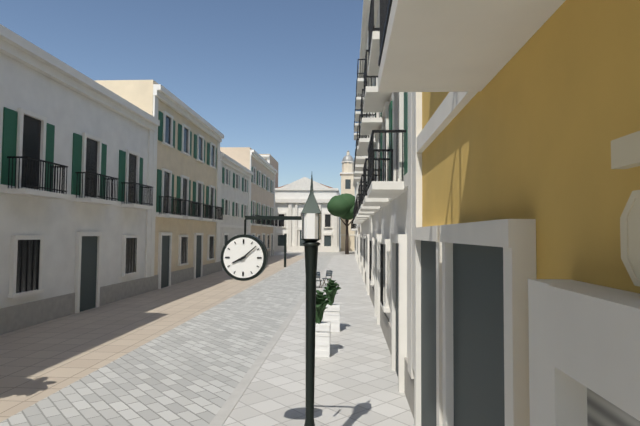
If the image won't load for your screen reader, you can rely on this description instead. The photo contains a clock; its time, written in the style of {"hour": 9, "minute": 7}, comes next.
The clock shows {"hour": 8, "minute": 8}
